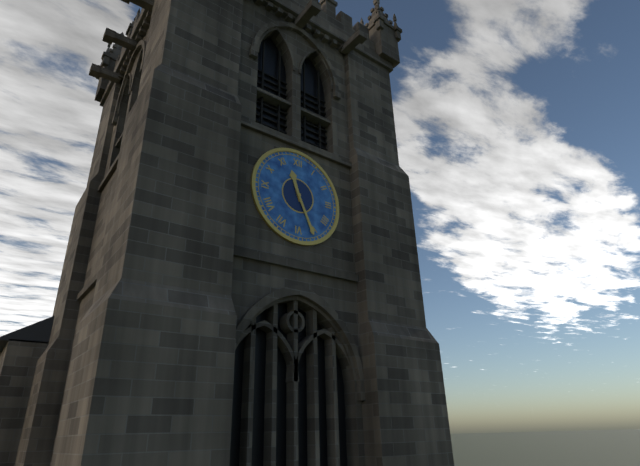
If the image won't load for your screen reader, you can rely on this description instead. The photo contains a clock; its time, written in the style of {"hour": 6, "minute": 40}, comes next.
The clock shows {"hour": 11, "minute": 26}
